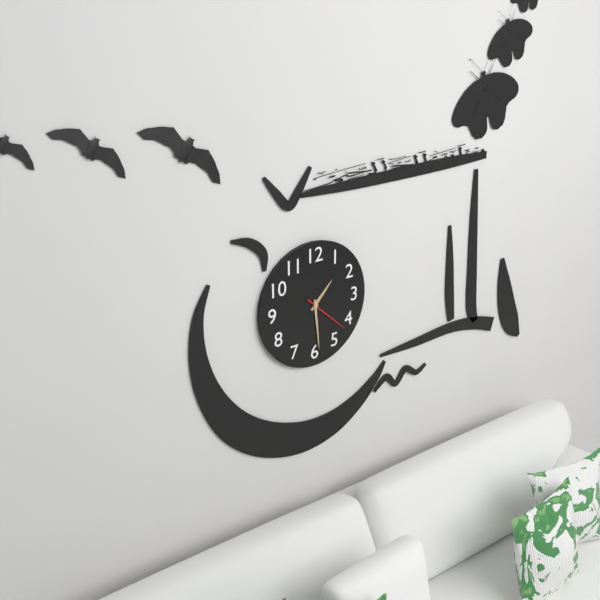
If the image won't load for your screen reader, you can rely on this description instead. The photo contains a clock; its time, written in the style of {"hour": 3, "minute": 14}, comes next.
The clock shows {"hour": 1, "minute": 29}
